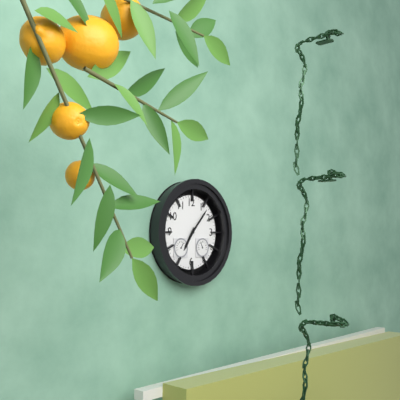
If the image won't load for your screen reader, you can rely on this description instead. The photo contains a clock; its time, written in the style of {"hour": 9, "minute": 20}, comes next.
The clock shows {"hour": 7, "minute": 7}
